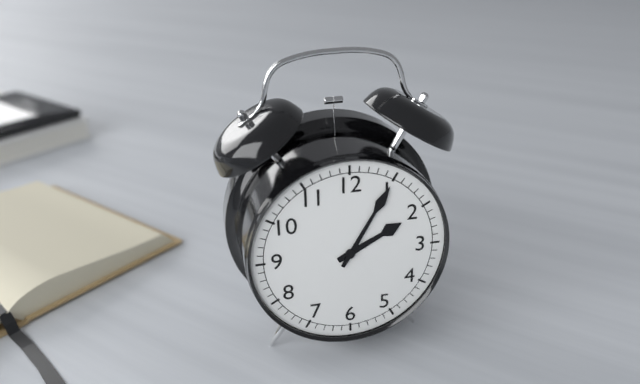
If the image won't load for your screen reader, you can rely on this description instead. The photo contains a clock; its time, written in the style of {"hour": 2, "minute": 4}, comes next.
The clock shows {"hour": 2, "minute": 5}
